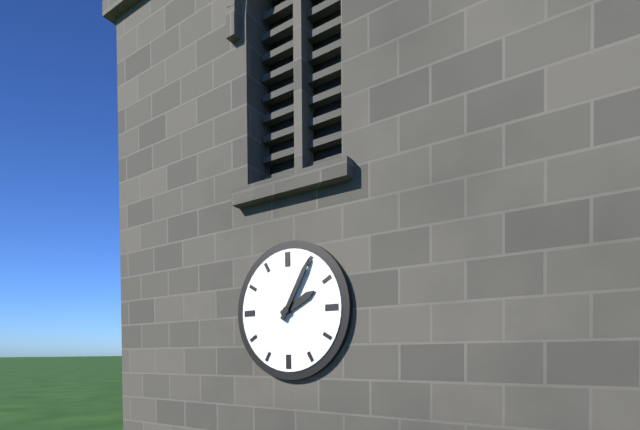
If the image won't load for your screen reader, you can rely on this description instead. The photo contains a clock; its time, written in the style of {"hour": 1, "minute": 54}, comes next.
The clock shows {"hour": 2, "minute": 5}
